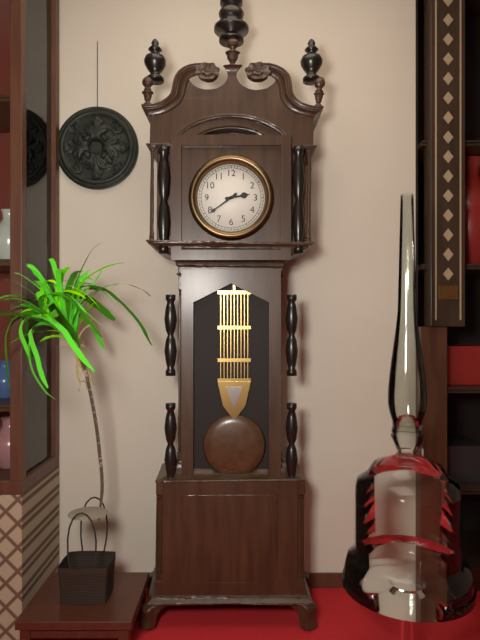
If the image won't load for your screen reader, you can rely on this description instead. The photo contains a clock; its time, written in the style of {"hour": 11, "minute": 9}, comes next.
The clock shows {"hour": 2, "minute": 39}
